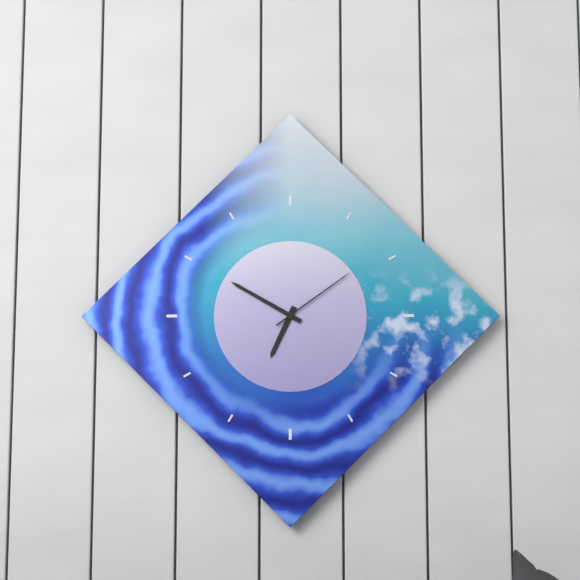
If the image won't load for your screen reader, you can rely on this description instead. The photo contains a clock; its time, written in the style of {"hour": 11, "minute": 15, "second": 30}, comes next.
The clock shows {"hour": 6, "minute": 50, "second": 9}
